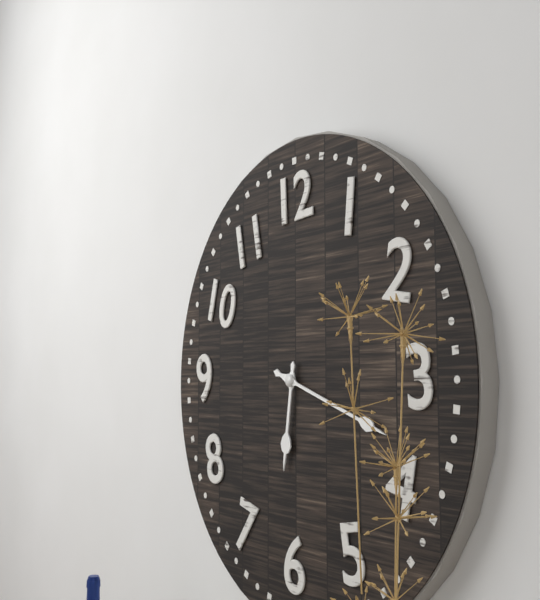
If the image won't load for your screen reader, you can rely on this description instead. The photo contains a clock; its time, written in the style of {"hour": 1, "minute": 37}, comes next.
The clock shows {"hour": 6, "minute": 18}
